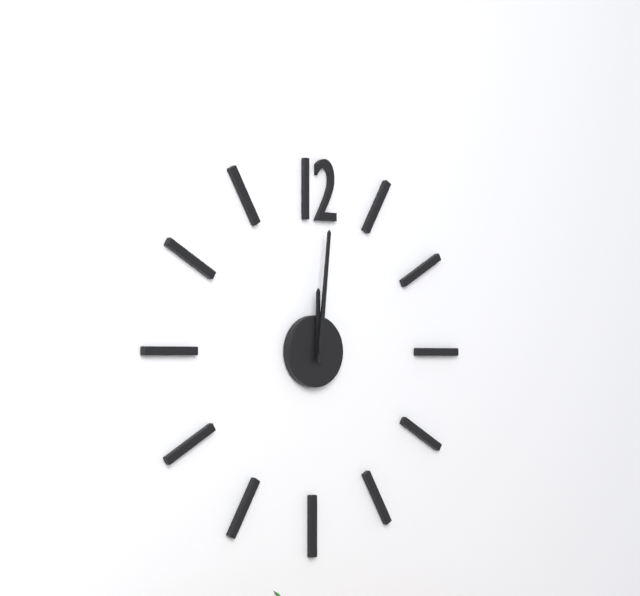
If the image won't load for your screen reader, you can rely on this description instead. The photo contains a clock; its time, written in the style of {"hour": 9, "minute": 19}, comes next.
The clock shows {"hour": 12, "minute": 1}
